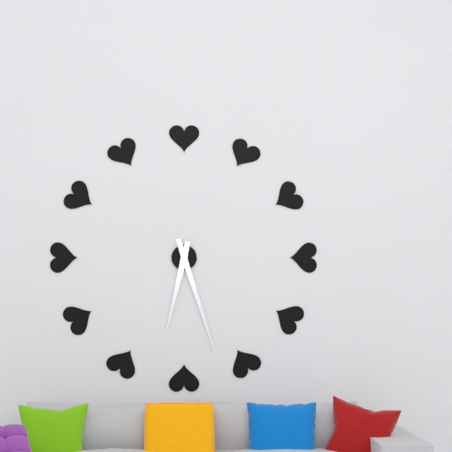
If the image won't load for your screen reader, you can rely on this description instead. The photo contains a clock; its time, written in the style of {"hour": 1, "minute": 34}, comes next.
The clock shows {"hour": 6, "minute": 27}
